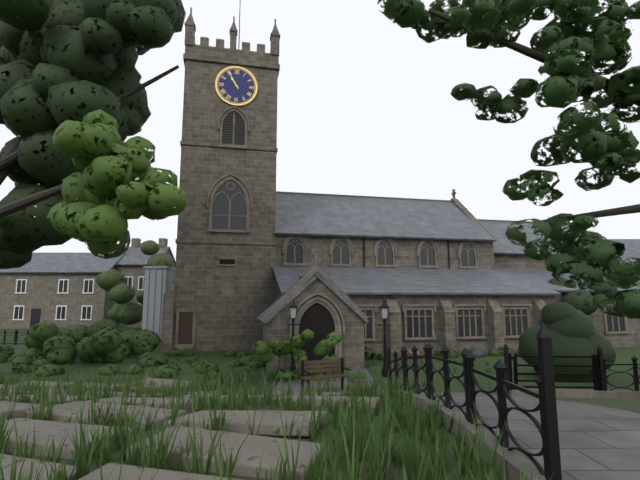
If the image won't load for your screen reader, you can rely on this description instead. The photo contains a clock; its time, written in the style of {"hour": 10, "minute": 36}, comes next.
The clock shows {"hour": 10, "minute": 55}
